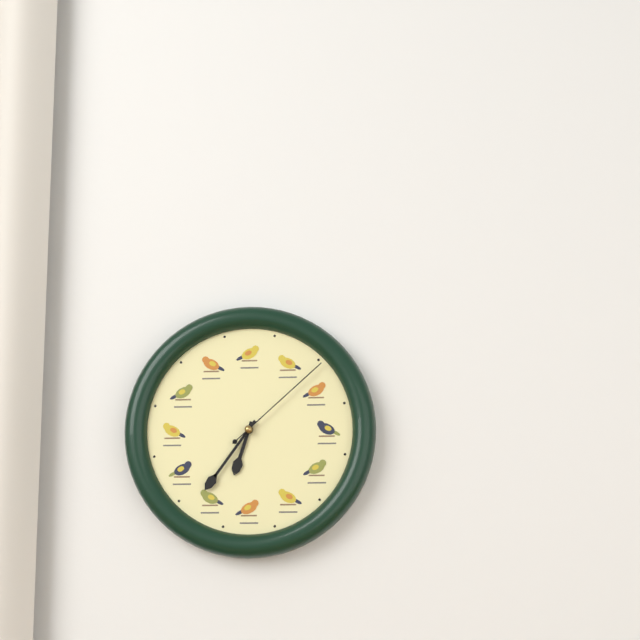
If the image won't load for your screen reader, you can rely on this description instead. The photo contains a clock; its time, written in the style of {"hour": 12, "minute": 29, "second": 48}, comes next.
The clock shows {"hour": 6, "minute": 36, "second": 8}
